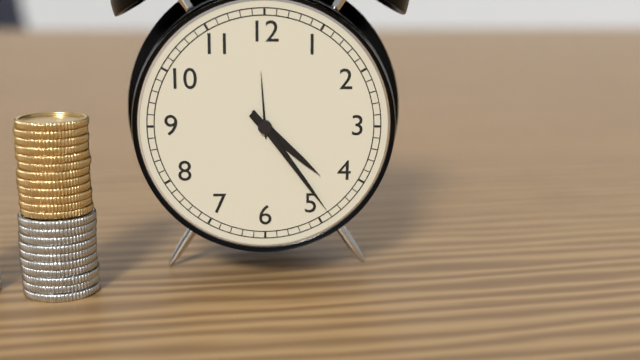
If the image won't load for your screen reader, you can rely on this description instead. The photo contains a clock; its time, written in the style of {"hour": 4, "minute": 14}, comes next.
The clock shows {"hour": 4, "minute": 24}
